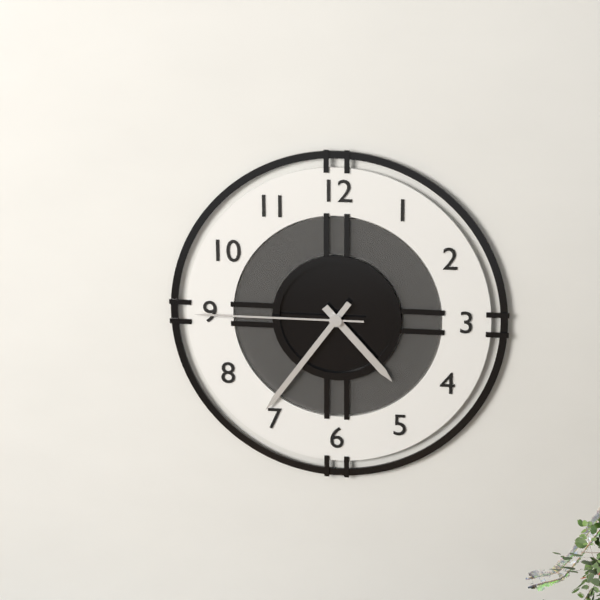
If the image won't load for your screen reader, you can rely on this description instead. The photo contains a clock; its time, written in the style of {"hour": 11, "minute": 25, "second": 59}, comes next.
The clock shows {"hour": 4, "minute": 36, "second": 45}
